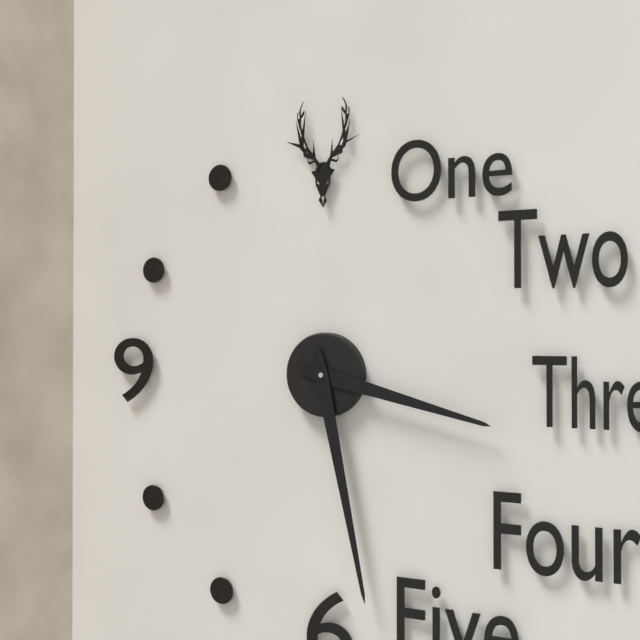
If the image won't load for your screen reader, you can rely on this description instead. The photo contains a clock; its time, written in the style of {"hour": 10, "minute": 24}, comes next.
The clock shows {"hour": 3, "minute": 28}
